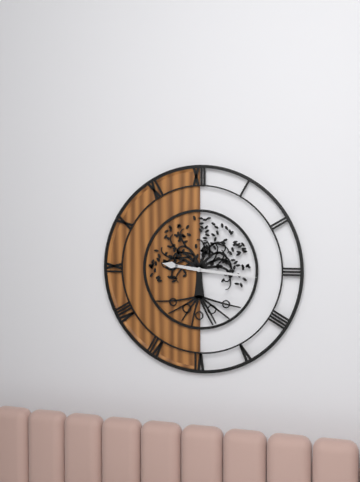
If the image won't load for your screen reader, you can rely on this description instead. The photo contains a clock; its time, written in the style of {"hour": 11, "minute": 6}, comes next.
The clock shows {"hour": 9, "minute": 16}
